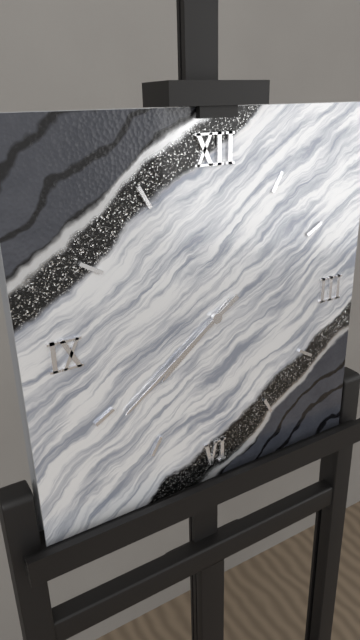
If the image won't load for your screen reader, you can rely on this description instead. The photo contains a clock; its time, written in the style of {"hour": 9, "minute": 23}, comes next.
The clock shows {"hour": 7, "minute": 39}
